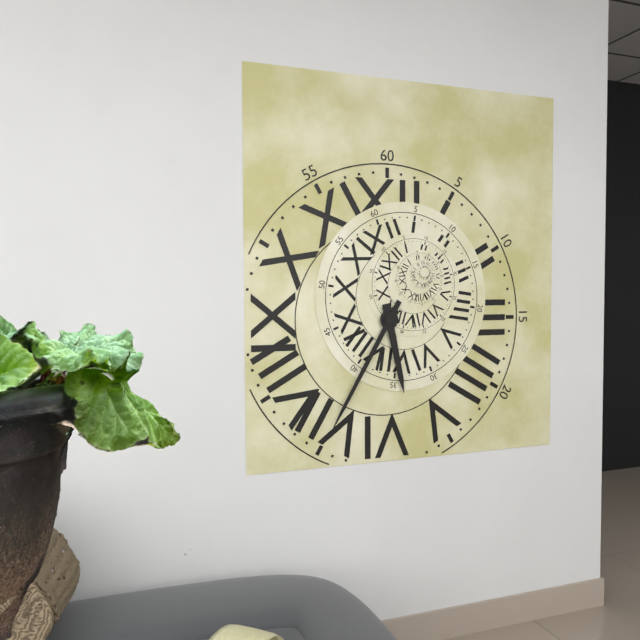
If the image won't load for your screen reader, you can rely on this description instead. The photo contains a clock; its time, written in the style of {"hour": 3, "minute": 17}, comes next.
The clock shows {"hour": 5, "minute": 35}
